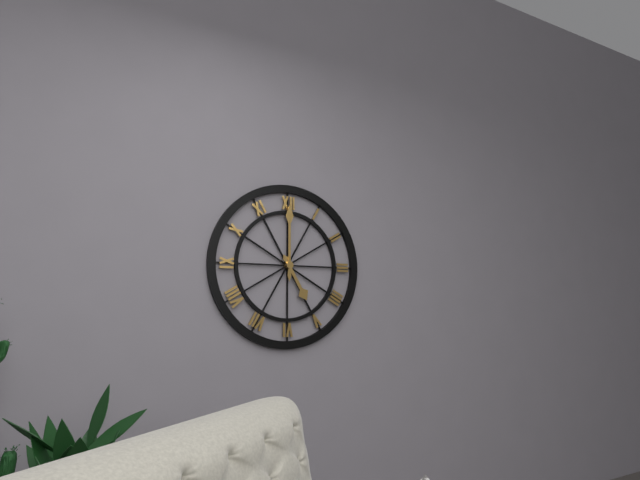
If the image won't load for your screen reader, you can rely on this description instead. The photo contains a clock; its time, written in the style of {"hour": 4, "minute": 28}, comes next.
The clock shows {"hour": 5, "minute": 0}
